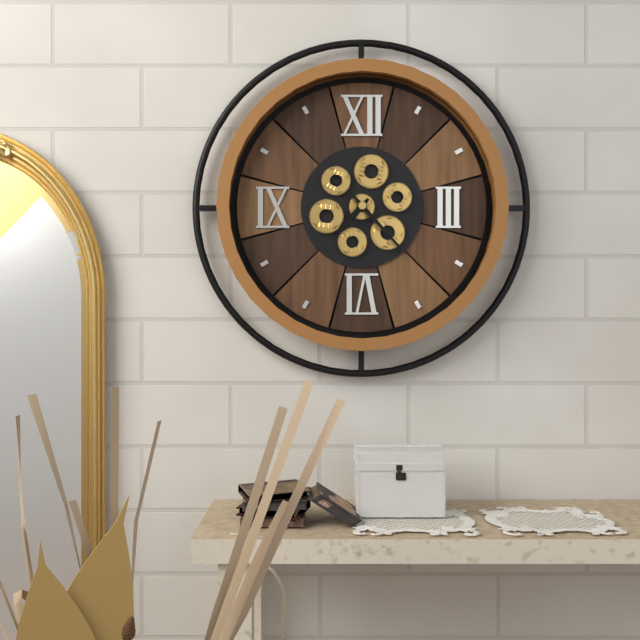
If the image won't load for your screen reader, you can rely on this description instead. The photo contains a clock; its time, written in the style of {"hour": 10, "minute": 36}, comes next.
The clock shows {"hour": 7, "minute": 23}
